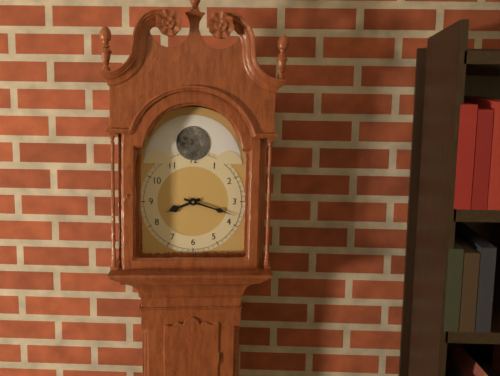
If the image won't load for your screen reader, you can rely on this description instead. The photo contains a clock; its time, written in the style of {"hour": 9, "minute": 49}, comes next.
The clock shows {"hour": 8, "minute": 18}
